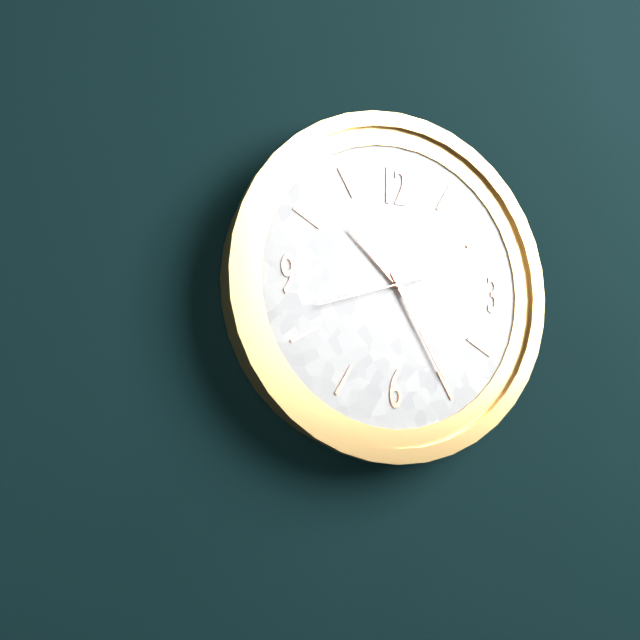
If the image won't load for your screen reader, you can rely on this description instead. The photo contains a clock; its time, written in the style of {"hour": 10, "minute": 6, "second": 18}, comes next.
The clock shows {"hour": 10, "minute": 25, "second": 42}
